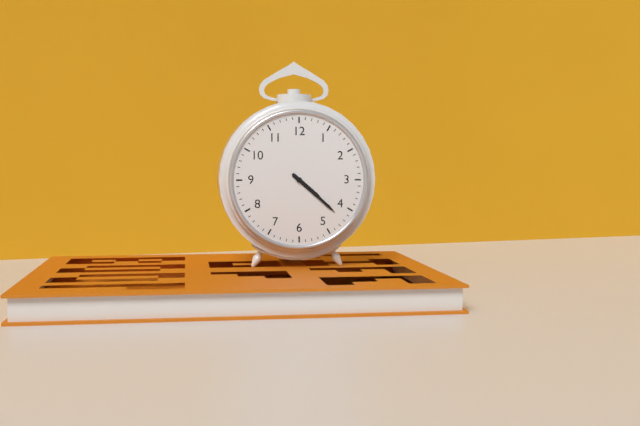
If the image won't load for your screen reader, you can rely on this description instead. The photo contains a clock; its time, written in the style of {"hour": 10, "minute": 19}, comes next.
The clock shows {"hour": 4, "minute": 22}
